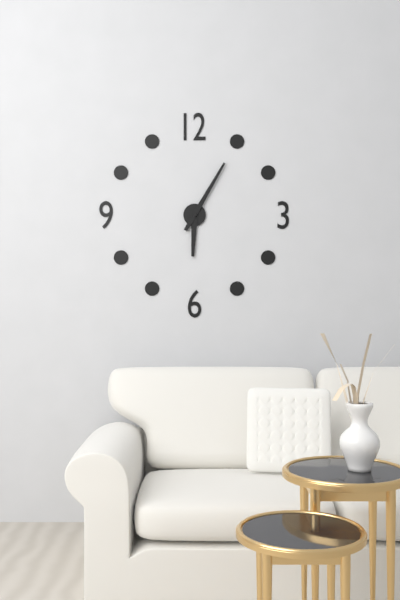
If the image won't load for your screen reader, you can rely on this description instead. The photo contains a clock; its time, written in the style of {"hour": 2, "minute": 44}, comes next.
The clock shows {"hour": 6, "minute": 5}
